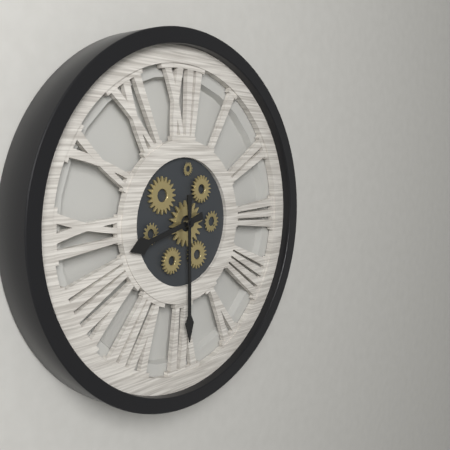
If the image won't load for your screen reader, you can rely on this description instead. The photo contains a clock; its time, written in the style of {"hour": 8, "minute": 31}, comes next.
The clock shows {"hour": 8, "minute": 30}
